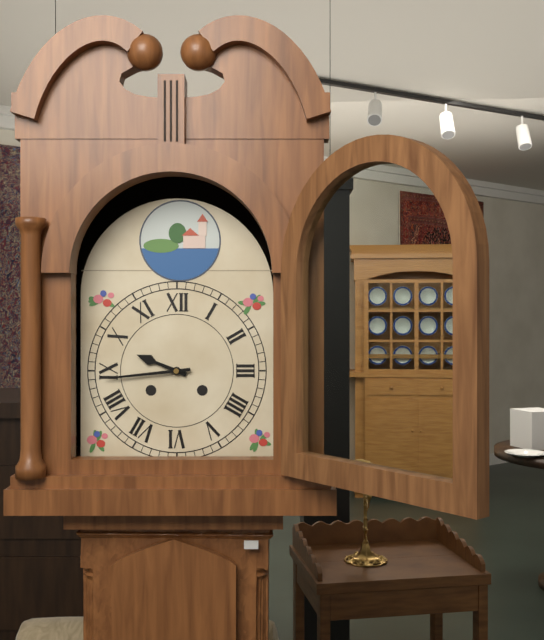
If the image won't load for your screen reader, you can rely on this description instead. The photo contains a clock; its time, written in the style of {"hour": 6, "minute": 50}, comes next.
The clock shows {"hour": 9, "minute": 44}
